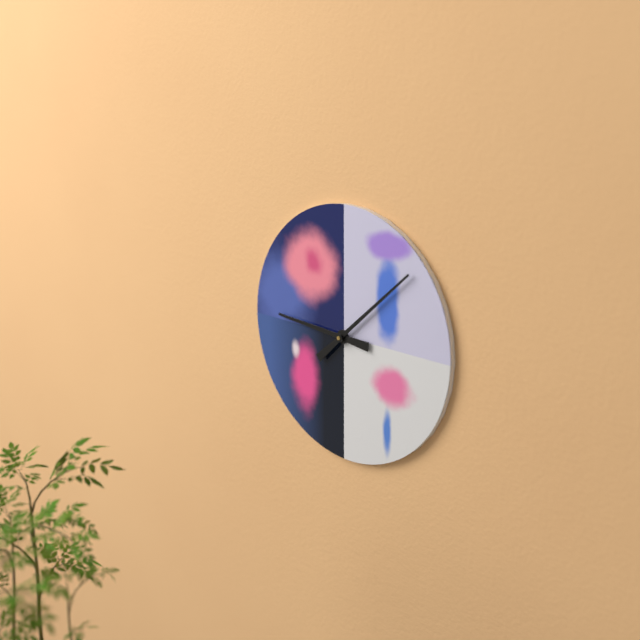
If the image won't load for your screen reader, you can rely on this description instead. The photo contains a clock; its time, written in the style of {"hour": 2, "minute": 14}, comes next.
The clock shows {"hour": 9, "minute": 8}
